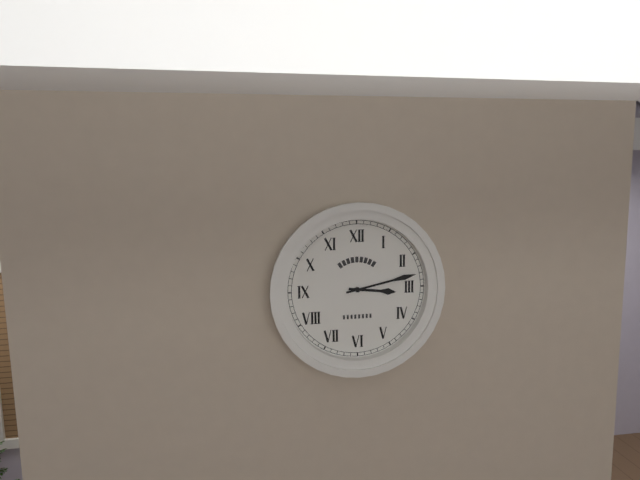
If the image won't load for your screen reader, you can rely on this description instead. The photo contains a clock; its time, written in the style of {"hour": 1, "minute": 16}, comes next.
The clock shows {"hour": 3, "minute": 13}
